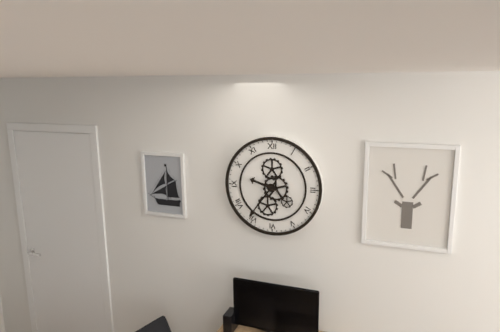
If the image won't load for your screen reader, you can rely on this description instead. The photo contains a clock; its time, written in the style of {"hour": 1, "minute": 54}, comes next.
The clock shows {"hour": 9, "minute": 36}
